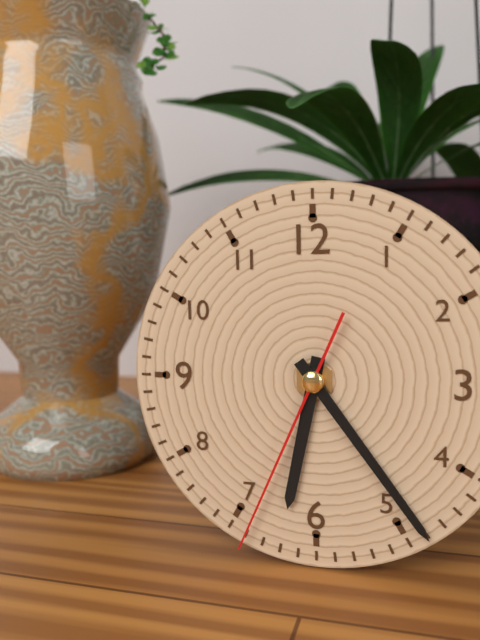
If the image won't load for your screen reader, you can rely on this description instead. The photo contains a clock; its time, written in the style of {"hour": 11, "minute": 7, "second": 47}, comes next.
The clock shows {"hour": 6, "minute": 24, "second": 34}
